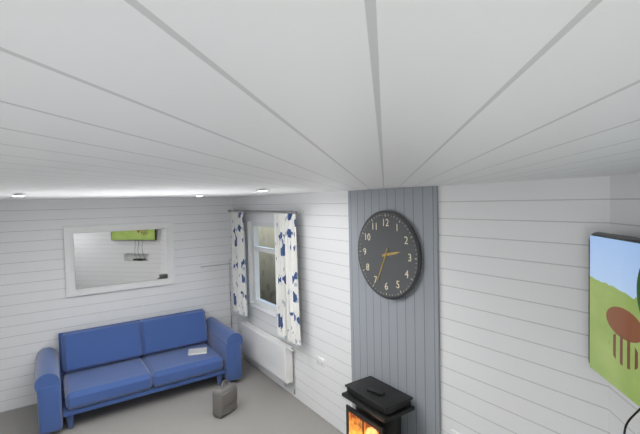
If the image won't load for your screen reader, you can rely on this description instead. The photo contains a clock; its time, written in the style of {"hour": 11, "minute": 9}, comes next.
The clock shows {"hour": 2, "minute": 34}
